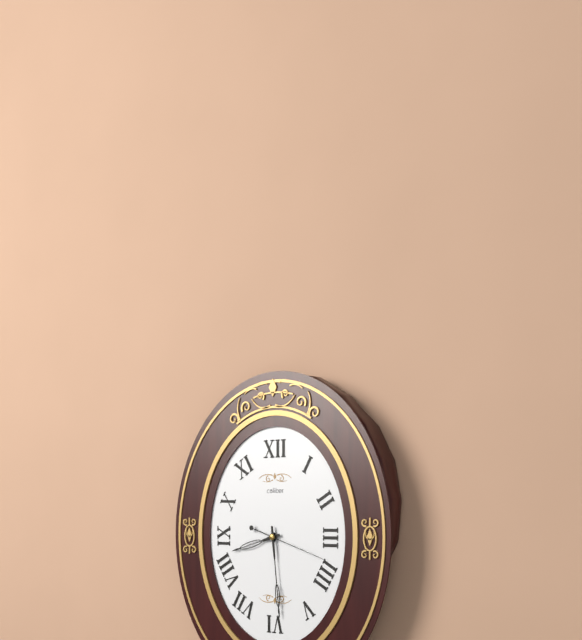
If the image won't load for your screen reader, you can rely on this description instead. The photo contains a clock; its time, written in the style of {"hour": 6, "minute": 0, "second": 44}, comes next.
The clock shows {"hour": 8, "minute": 29, "second": 18}
